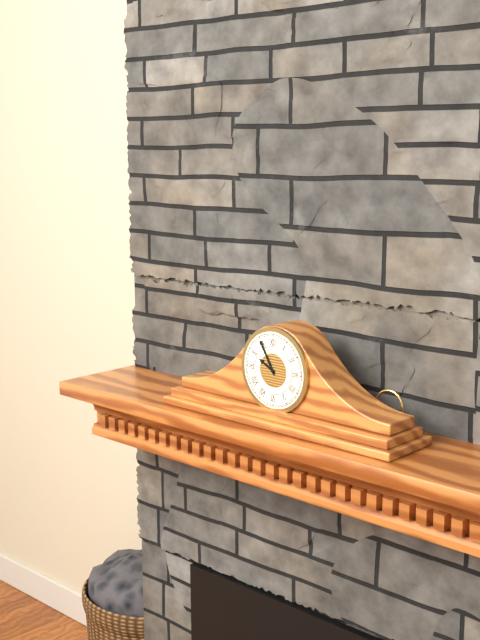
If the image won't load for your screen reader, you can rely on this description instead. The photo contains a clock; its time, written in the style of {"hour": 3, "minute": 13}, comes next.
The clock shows {"hour": 9, "minute": 55}
